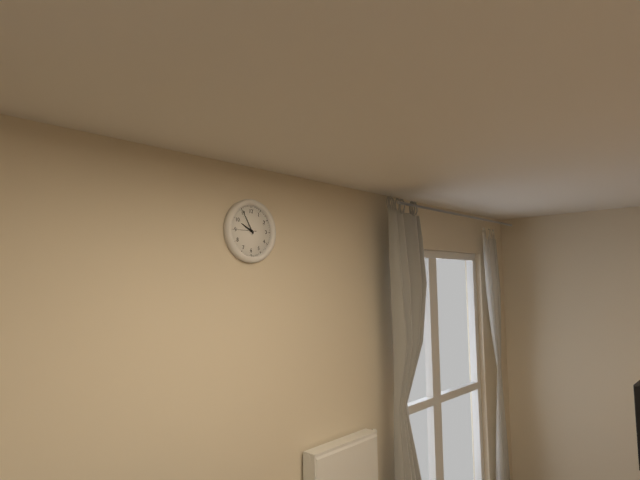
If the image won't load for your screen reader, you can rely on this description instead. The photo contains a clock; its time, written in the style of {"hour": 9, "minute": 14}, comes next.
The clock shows {"hour": 9, "minute": 55}
